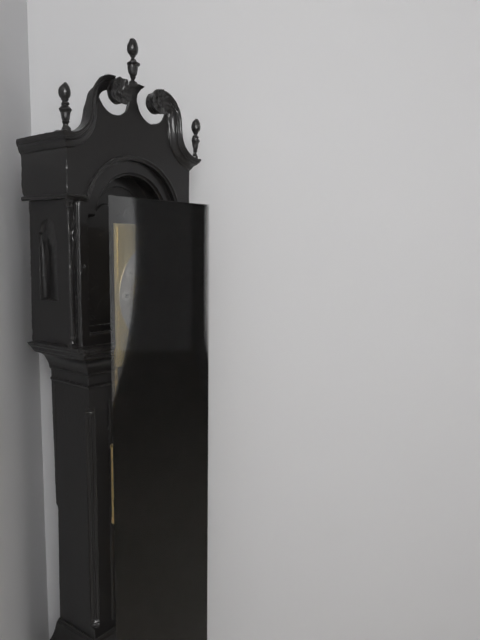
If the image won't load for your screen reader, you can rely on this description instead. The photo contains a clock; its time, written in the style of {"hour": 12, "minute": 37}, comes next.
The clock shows {"hour": 6, "minute": 24}
